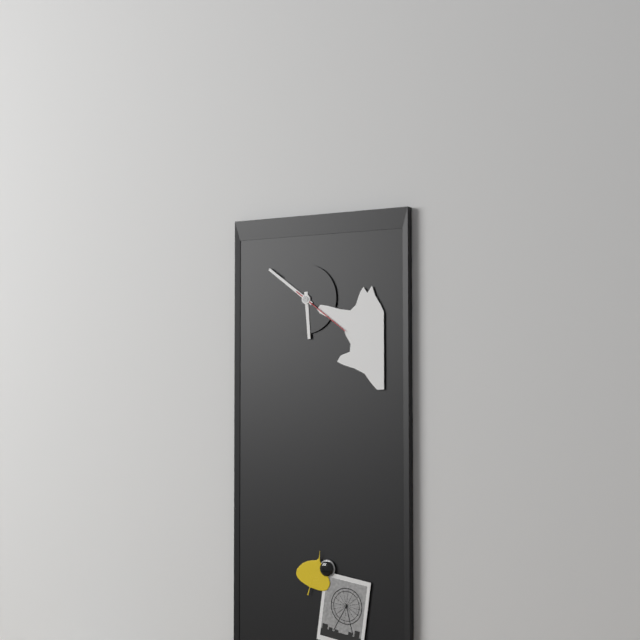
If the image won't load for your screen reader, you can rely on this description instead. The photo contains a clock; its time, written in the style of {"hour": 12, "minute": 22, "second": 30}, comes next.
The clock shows {"hour": 5, "minute": 51, "second": 21}
